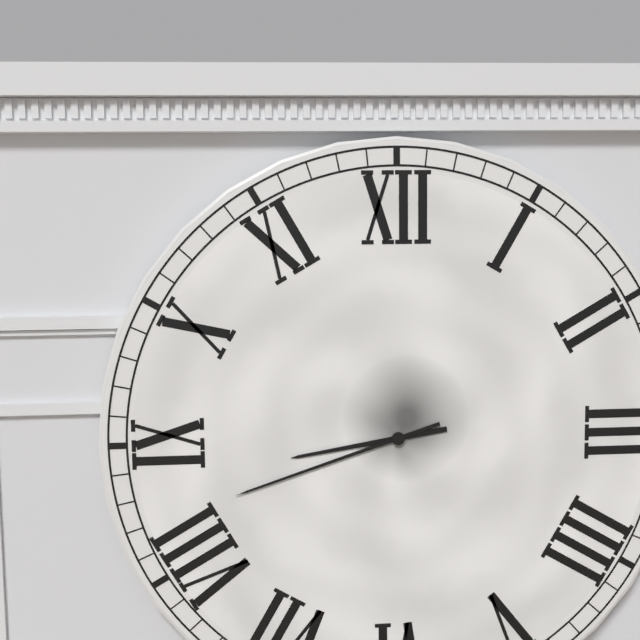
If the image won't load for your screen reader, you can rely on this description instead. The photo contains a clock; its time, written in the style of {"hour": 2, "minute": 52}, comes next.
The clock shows {"hour": 8, "minute": 42}
